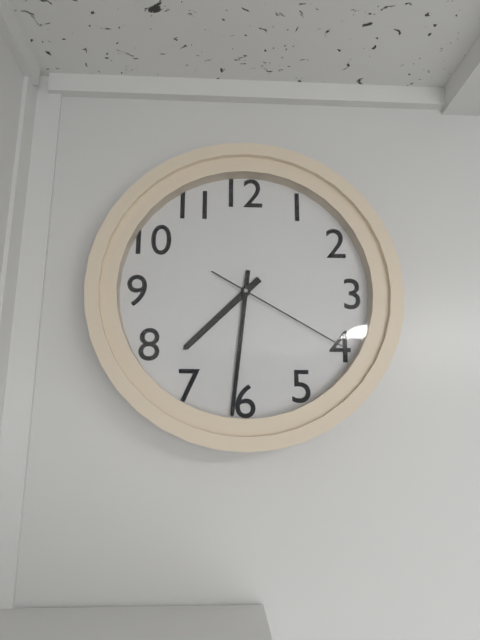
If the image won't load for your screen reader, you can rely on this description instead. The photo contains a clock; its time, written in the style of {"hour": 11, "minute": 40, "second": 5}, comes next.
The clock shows {"hour": 7, "minute": 31, "second": 20}
